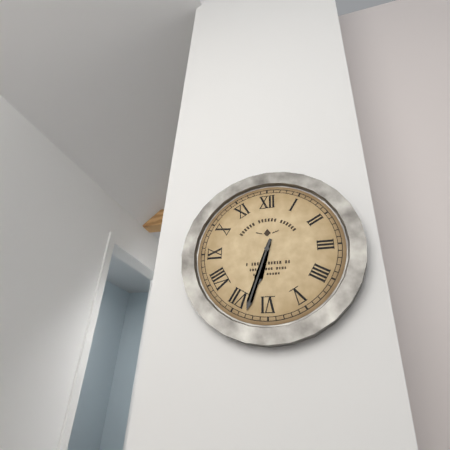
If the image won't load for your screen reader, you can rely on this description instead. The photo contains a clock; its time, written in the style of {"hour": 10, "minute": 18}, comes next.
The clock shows {"hour": 6, "minute": 33}
